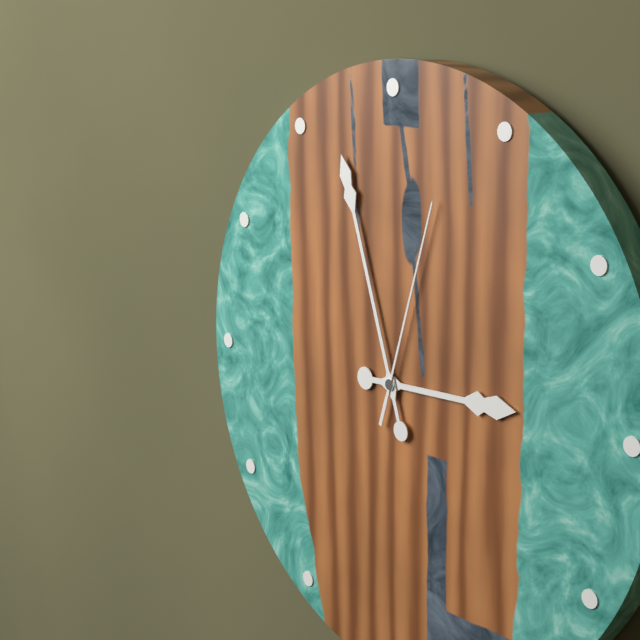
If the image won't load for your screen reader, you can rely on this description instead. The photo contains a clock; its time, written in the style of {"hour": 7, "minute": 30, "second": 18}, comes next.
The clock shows {"hour": 2, "minute": 57, "second": 3}
